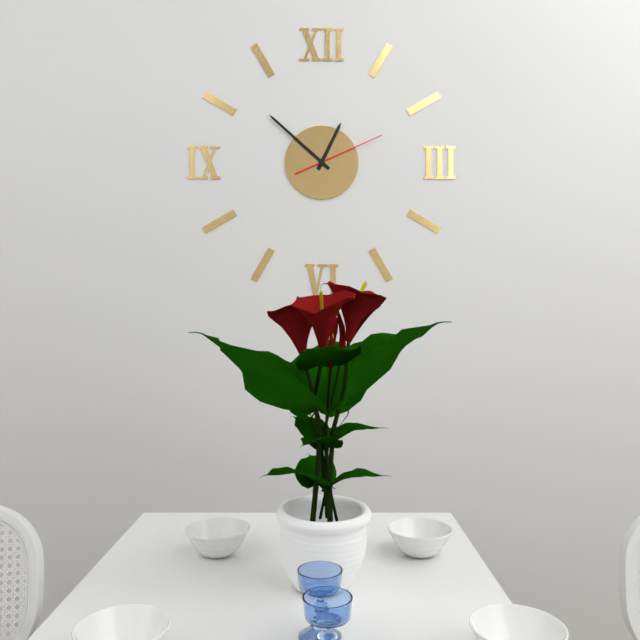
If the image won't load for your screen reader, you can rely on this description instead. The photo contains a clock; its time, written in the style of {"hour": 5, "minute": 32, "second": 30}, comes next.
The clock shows {"hour": 12, "minute": 52, "second": 11}
